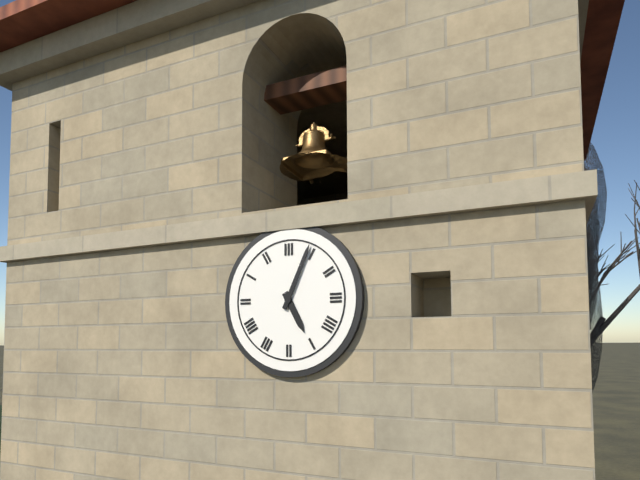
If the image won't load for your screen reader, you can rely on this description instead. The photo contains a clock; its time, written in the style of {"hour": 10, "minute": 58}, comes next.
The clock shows {"hour": 5, "minute": 4}
